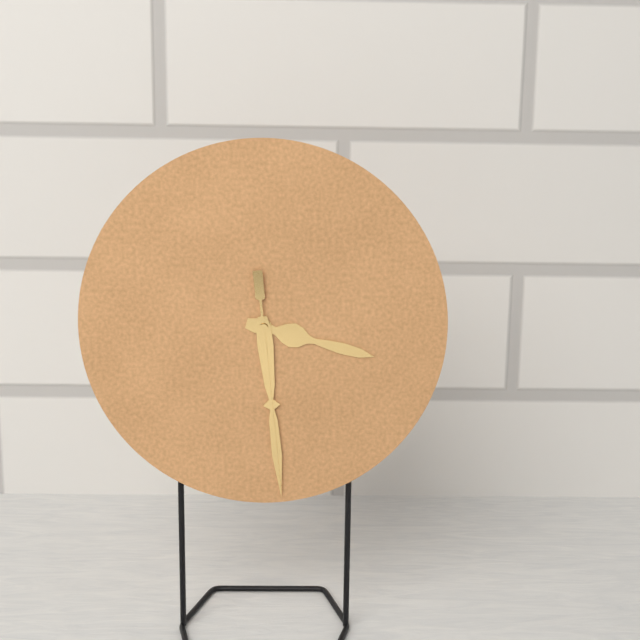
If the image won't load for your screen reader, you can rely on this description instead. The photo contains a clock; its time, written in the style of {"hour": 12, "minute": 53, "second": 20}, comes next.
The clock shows {"hour": 3, "minute": 29, "second": 29}
